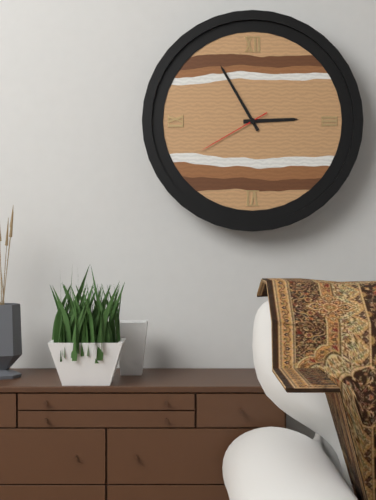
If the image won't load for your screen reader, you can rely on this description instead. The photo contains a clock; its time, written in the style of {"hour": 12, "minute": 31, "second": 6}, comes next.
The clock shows {"hour": 2, "minute": 55, "second": 40}
